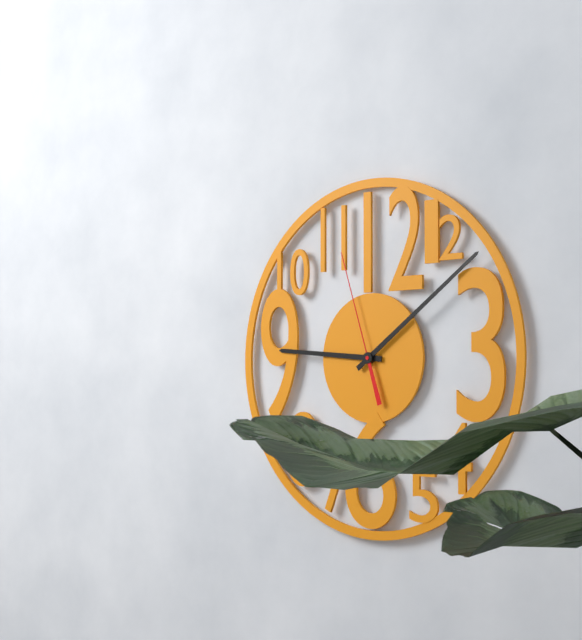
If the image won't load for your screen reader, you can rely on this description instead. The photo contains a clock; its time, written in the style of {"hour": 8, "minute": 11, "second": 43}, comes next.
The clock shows {"hour": 9, "minute": 9, "second": 57}
